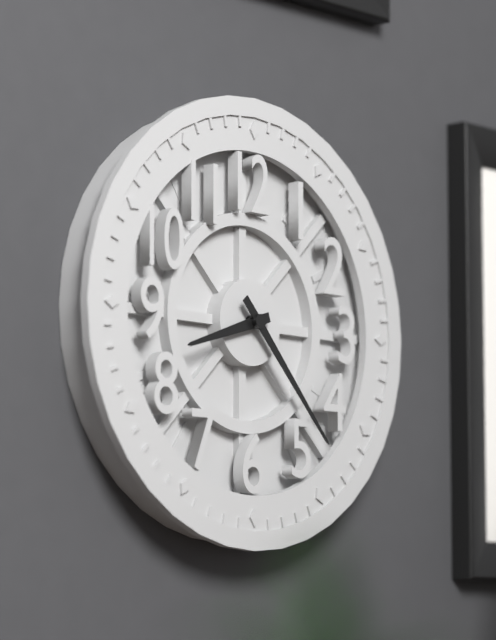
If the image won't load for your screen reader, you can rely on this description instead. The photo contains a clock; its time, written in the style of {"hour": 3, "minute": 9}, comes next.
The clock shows {"hour": 8, "minute": 23}
